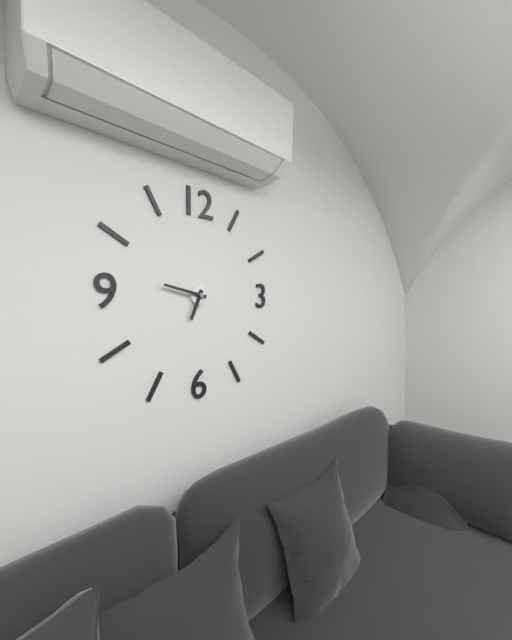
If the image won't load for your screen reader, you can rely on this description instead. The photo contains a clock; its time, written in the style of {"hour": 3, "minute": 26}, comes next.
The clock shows {"hour": 6, "minute": 47}
